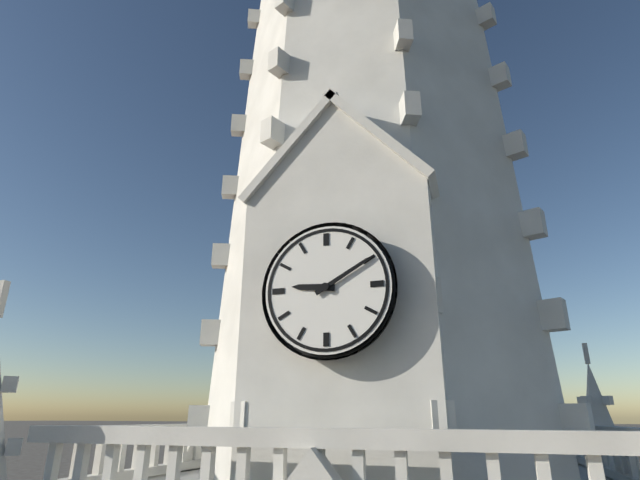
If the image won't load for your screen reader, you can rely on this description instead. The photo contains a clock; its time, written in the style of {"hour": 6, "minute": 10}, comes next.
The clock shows {"hour": 9, "minute": 10}
